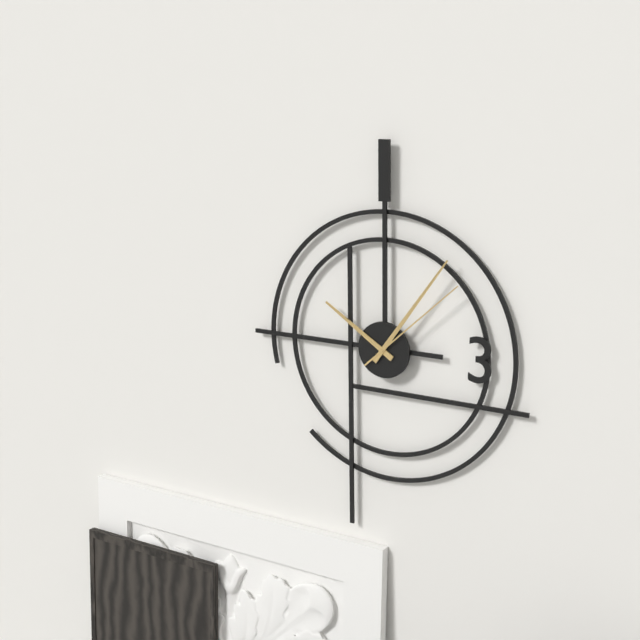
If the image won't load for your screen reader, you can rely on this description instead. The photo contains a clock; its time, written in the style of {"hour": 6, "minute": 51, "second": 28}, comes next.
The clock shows {"hour": 10, "minute": 6, "second": 8}
